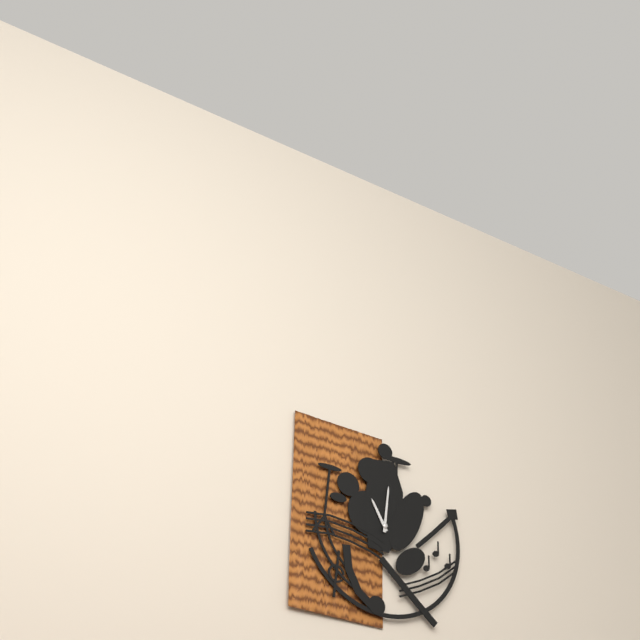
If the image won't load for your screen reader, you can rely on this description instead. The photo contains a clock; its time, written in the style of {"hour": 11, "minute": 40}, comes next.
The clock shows {"hour": 11, "minute": 1}
